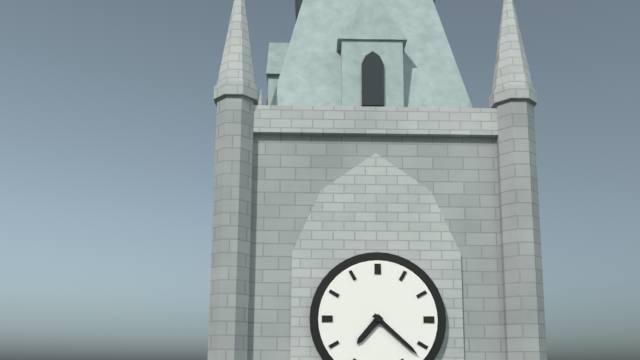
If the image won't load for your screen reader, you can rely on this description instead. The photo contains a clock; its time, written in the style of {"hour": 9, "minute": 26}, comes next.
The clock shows {"hour": 7, "minute": 22}
